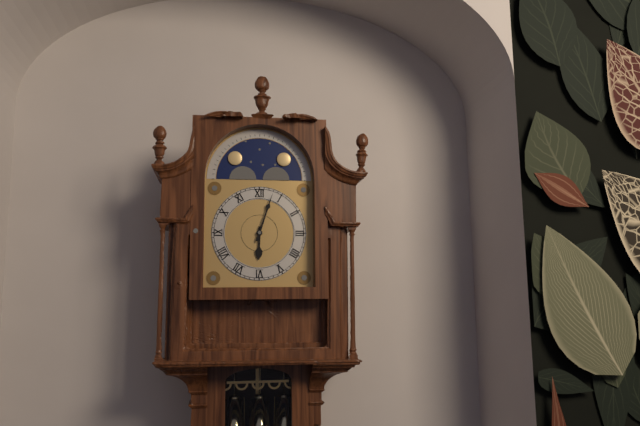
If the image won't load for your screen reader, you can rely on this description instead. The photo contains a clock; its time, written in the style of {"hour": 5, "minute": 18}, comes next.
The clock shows {"hour": 6, "minute": 3}
